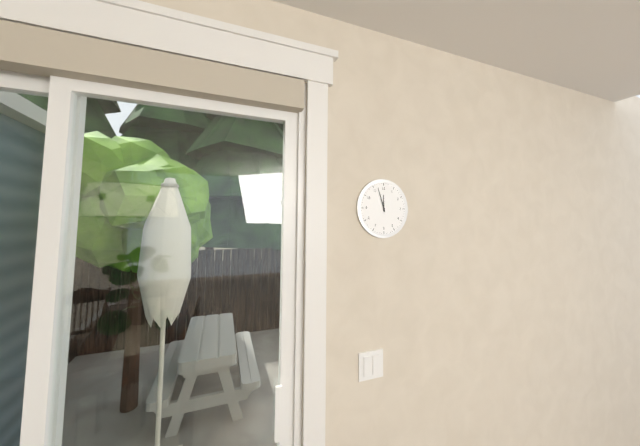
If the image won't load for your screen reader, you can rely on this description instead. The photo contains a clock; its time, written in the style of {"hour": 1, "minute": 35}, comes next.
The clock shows {"hour": 11, "minute": 57}
